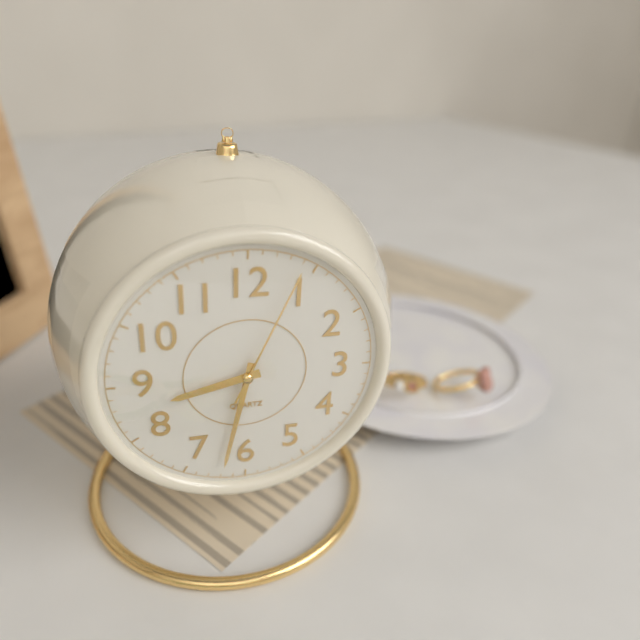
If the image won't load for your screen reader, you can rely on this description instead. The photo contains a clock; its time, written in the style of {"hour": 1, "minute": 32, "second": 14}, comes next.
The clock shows {"hour": 8, "minute": 32, "second": 4}
